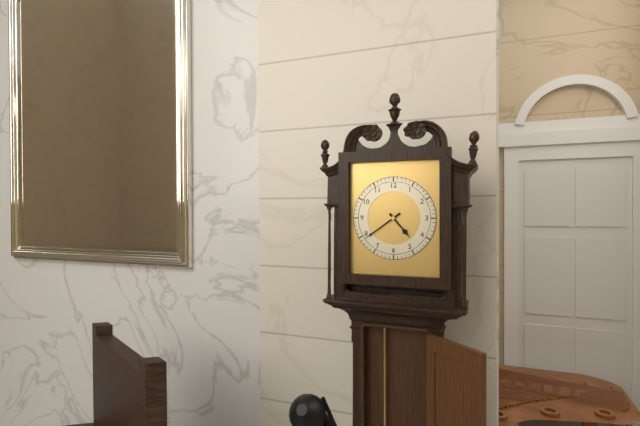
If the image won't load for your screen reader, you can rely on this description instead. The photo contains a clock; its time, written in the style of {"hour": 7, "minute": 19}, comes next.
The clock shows {"hour": 4, "minute": 39}
